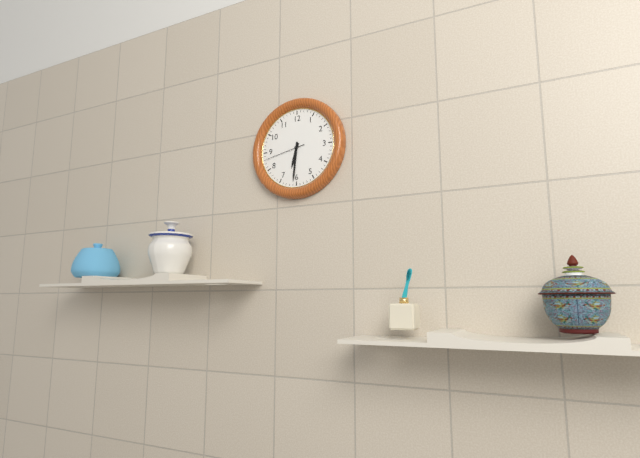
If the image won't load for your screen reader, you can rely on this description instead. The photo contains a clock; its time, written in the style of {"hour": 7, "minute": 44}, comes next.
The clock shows {"hour": 6, "minute": 31}
